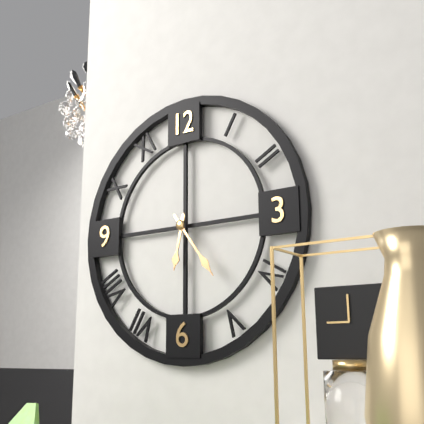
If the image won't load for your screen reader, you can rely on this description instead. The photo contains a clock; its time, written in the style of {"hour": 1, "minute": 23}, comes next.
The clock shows {"hour": 6, "minute": 24}
